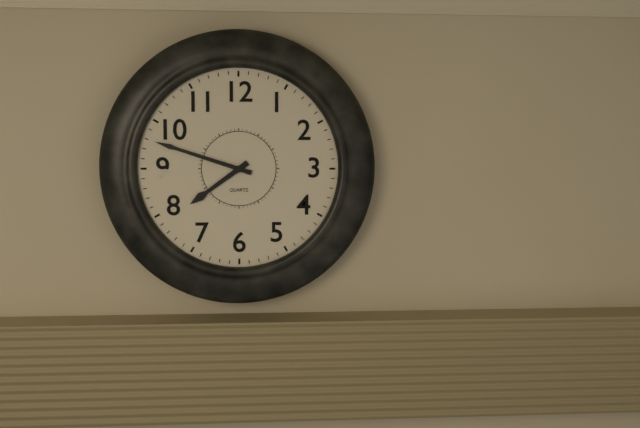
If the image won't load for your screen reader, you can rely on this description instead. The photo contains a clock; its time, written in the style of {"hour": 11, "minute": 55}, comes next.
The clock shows {"hour": 7, "minute": 48}
